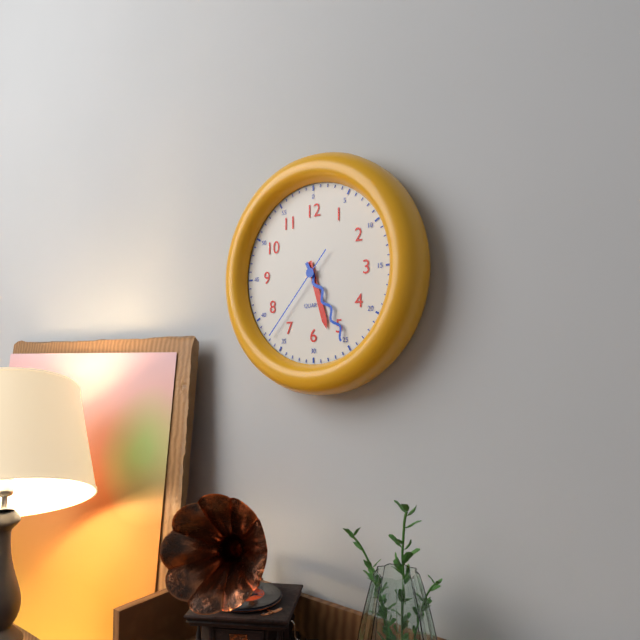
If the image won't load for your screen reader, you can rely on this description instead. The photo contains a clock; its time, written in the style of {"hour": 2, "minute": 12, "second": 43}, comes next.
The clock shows {"hour": 5, "minute": 25, "second": 37}
